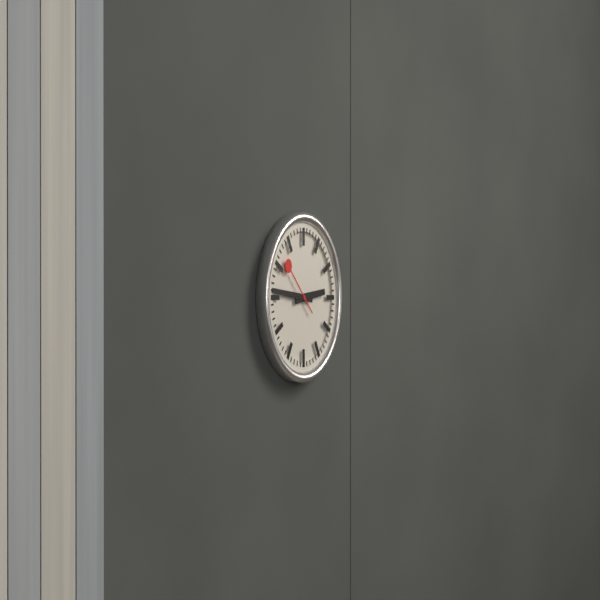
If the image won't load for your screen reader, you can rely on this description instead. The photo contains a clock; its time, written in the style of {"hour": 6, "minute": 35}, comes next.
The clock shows {"hour": 2, "minute": 46}
